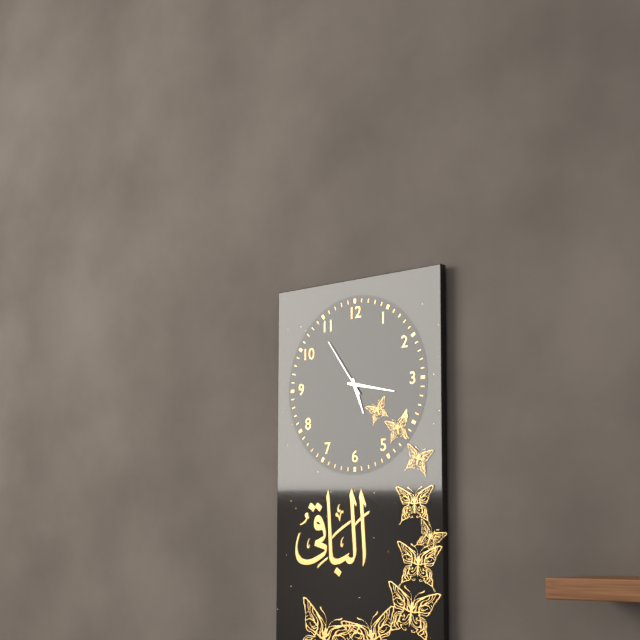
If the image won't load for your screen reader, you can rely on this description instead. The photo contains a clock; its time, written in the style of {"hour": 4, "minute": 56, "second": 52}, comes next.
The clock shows {"hour": 5, "minute": 17, "second": 54}
